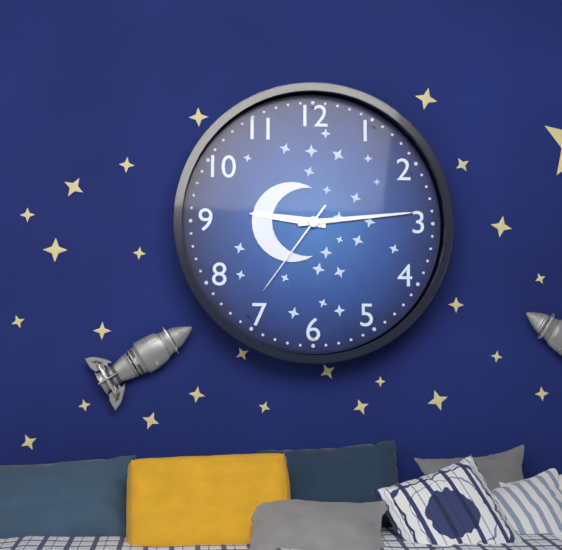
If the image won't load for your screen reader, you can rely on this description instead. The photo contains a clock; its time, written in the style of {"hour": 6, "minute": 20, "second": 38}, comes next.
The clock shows {"hour": 9, "minute": 14, "second": 36}
